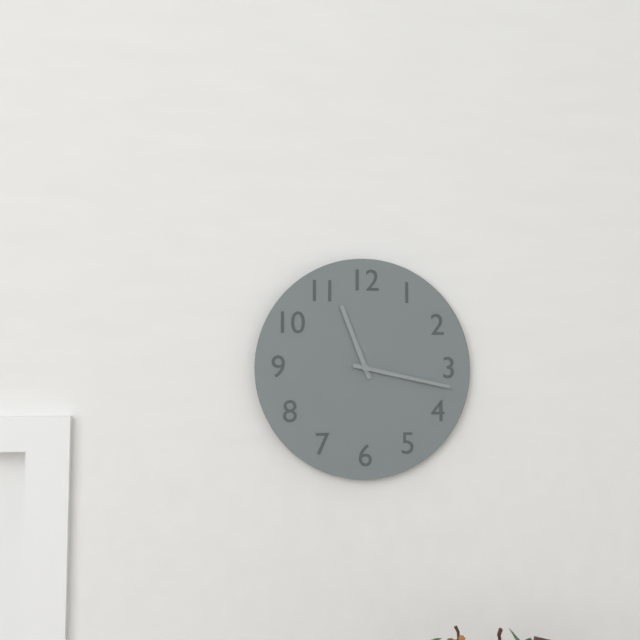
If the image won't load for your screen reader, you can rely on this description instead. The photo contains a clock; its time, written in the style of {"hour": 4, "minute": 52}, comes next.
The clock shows {"hour": 11, "minute": 17}
